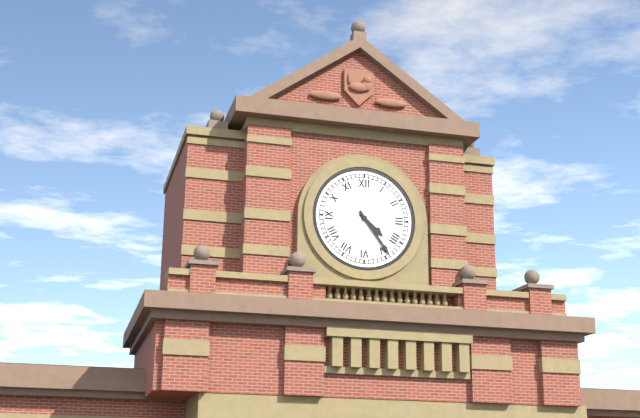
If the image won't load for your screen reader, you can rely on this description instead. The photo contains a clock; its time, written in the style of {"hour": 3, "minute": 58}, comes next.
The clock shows {"hour": 4, "minute": 24}
